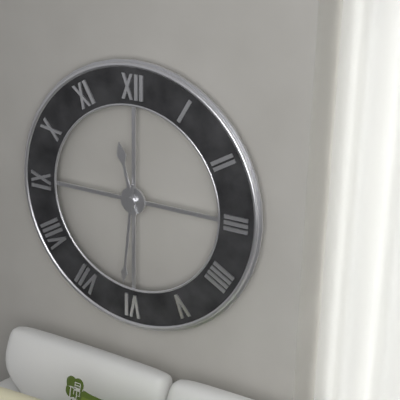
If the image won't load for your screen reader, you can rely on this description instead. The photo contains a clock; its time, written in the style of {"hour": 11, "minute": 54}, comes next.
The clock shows {"hour": 11, "minute": 31}
